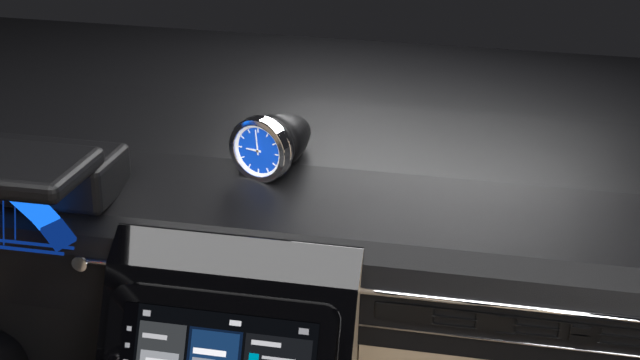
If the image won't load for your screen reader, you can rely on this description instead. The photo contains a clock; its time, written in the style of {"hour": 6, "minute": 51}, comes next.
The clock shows {"hour": 8, "minute": 59}
